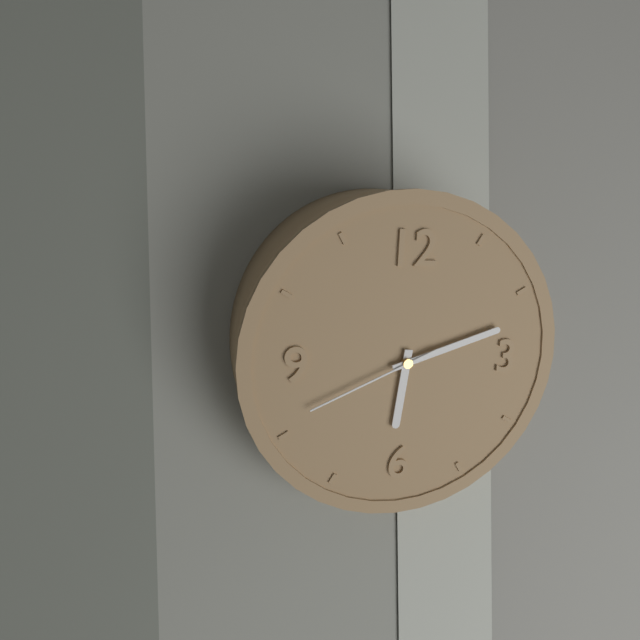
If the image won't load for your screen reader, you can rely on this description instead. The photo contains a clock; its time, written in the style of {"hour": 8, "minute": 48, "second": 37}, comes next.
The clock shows {"hour": 6, "minute": 12, "second": 41}
